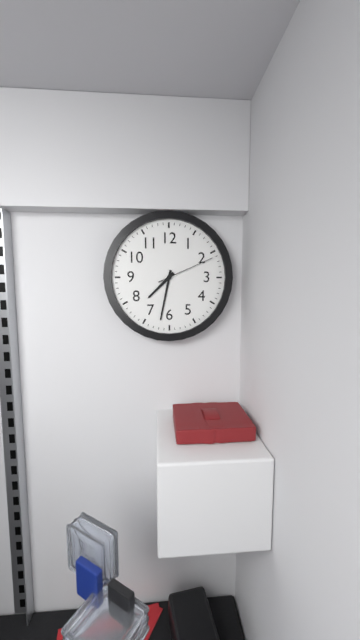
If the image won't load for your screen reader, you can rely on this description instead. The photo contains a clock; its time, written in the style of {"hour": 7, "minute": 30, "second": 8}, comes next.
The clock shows {"hour": 7, "minute": 32, "second": 11}
